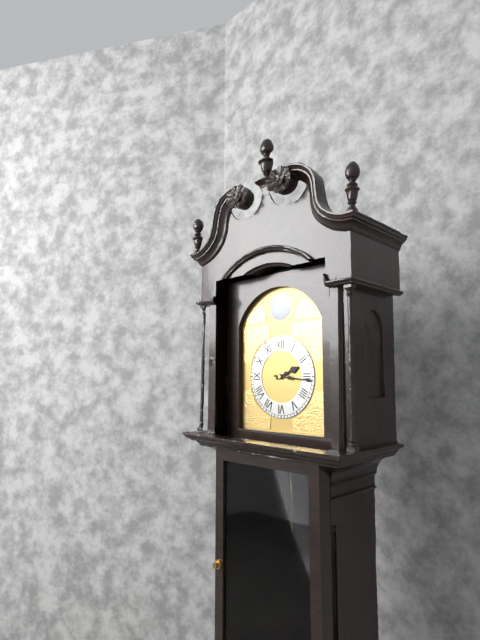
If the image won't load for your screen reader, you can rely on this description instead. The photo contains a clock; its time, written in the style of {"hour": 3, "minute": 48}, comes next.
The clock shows {"hour": 2, "minute": 16}
